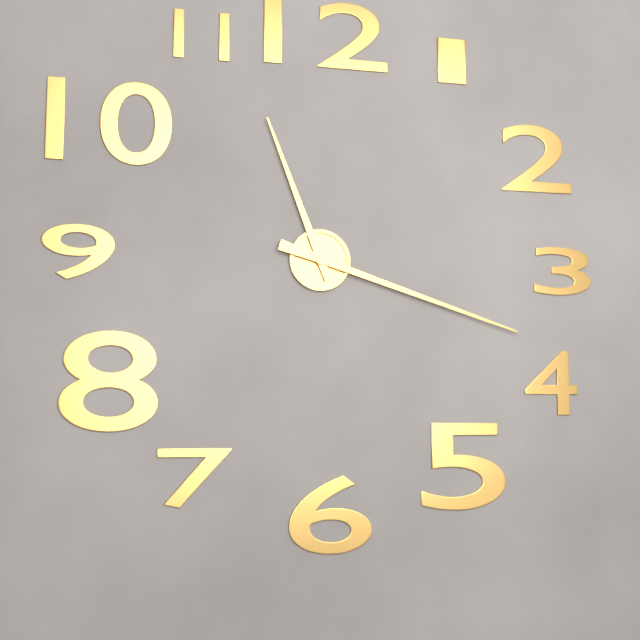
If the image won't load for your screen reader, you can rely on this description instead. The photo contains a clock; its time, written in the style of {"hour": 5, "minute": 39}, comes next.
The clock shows {"hour": 11, "minute": 18}
